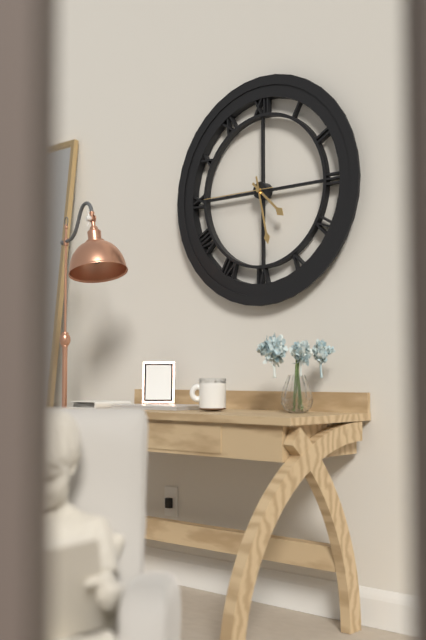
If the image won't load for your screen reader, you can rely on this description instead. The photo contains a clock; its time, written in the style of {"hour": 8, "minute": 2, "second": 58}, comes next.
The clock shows {"hour": 4, "minute": 28, "second": 45}
